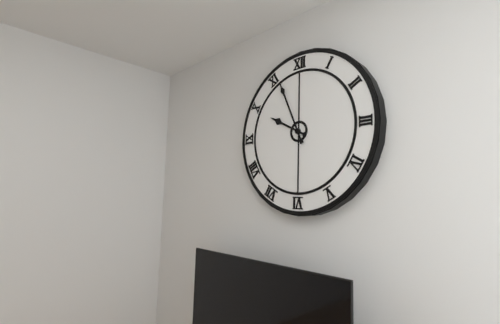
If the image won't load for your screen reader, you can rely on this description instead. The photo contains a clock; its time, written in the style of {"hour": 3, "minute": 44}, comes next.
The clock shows {"hour": 9, "minute": 56}
